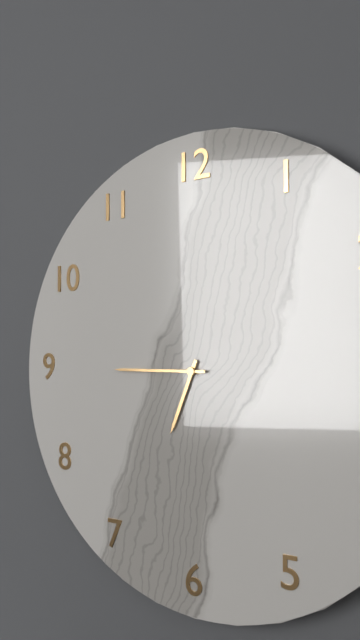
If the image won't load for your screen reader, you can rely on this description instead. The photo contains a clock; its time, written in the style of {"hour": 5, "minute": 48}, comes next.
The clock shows {"hour": 6, "minute": 45}
